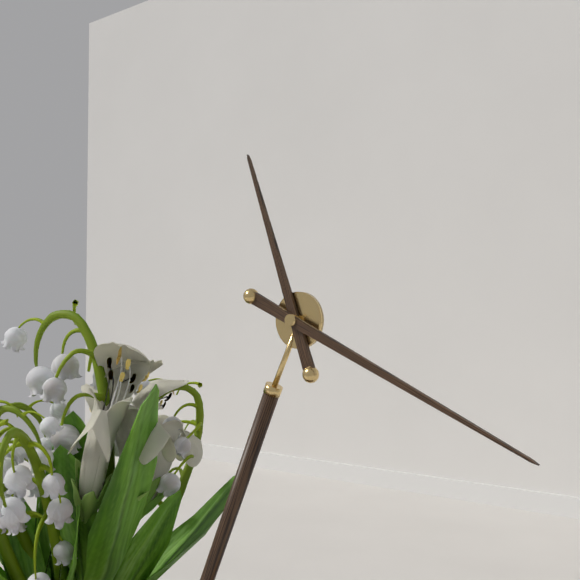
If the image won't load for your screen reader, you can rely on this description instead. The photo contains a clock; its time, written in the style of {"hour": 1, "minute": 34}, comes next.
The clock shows {"hour": 11, "minute": 19}
